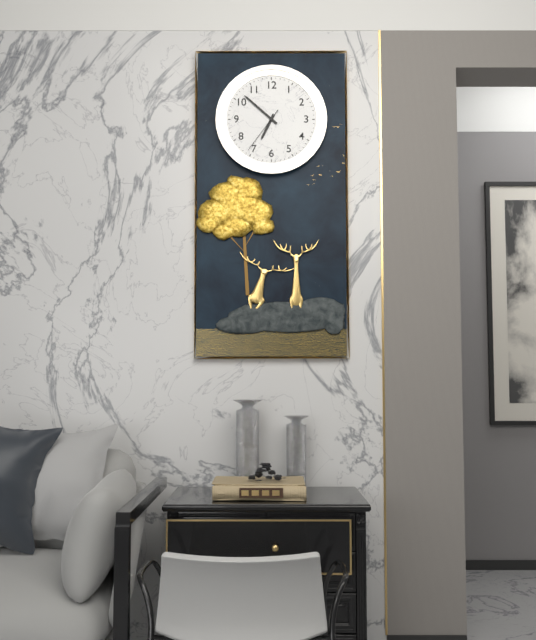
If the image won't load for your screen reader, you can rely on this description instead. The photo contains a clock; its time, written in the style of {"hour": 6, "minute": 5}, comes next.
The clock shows {"hour": 6, "minute": 52}
